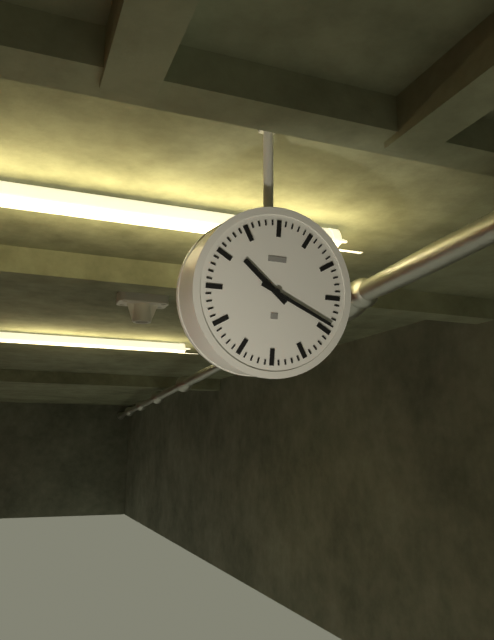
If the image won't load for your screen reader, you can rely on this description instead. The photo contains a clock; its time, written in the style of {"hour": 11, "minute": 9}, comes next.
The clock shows {"hour": 10, "minute": 19}
